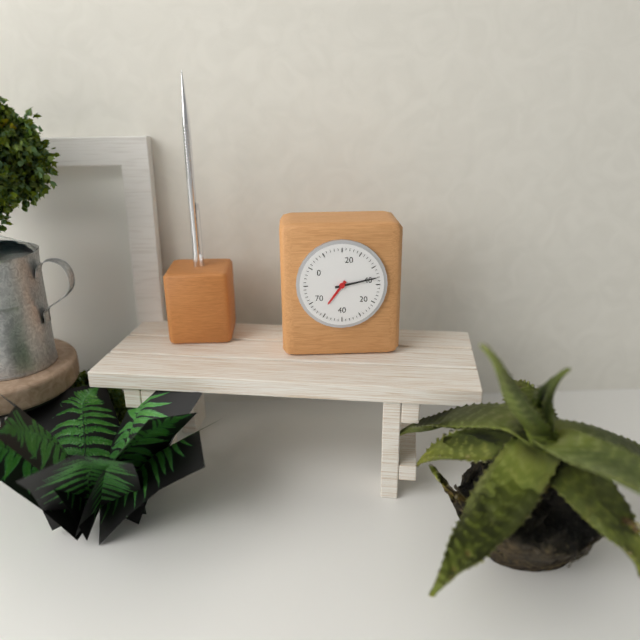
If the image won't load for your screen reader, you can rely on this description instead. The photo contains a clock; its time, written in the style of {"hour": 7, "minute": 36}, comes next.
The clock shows {"hour": 7, "minute": 13}
